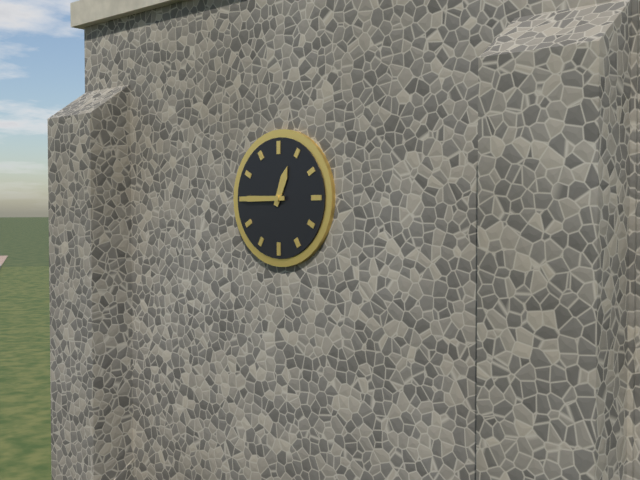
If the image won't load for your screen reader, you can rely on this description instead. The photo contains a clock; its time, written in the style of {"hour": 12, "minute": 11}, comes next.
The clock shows {"hour": 12, "minute": 45}
